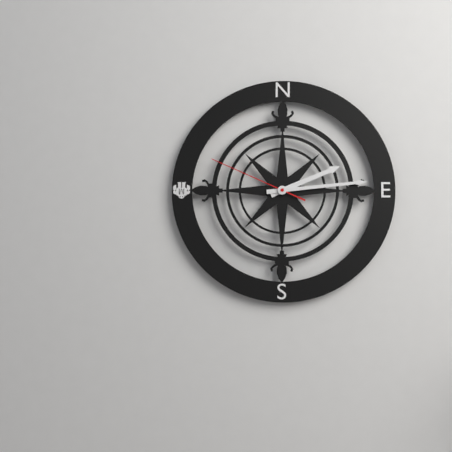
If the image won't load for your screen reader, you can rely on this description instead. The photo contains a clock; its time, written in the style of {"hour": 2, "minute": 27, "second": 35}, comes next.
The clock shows {"hour": 2, "minute": 14, "second": 49}
